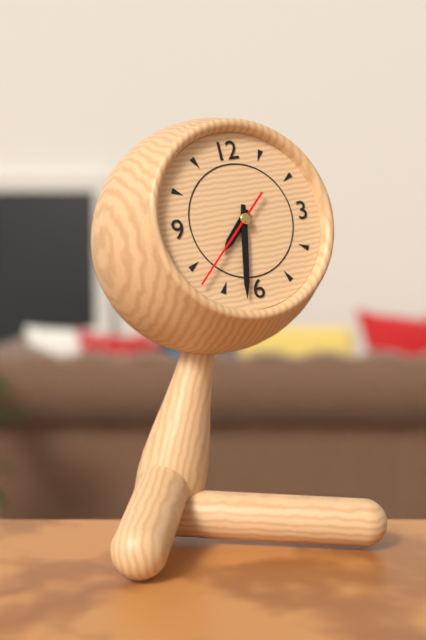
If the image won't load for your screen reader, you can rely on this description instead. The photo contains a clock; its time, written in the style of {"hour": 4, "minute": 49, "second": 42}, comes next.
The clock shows {"hour": 7, "minute": 32, "second": 38}
